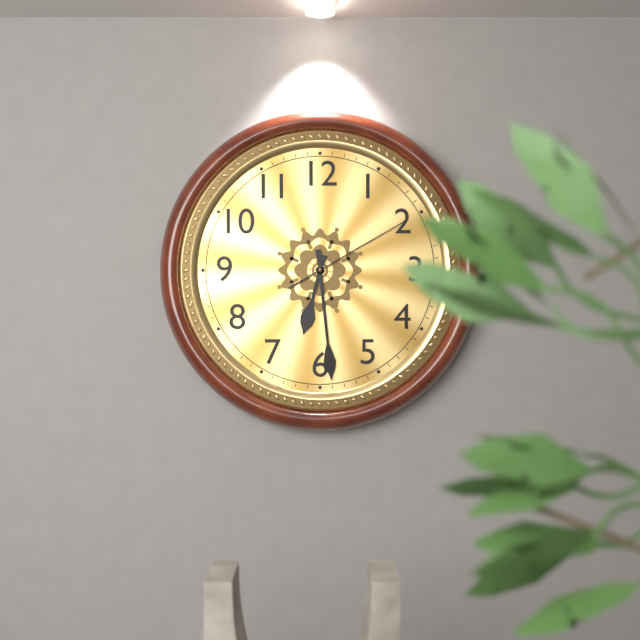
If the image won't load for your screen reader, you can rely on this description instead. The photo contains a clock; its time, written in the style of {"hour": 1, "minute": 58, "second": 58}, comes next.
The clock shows {"hour": 6, "minute": 29, "second": 10}
